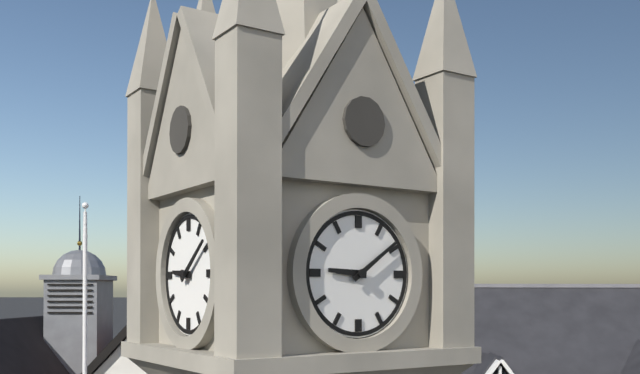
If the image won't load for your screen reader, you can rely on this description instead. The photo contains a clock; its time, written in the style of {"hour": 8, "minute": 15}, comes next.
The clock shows {"hour": 9, "minute": 9}
